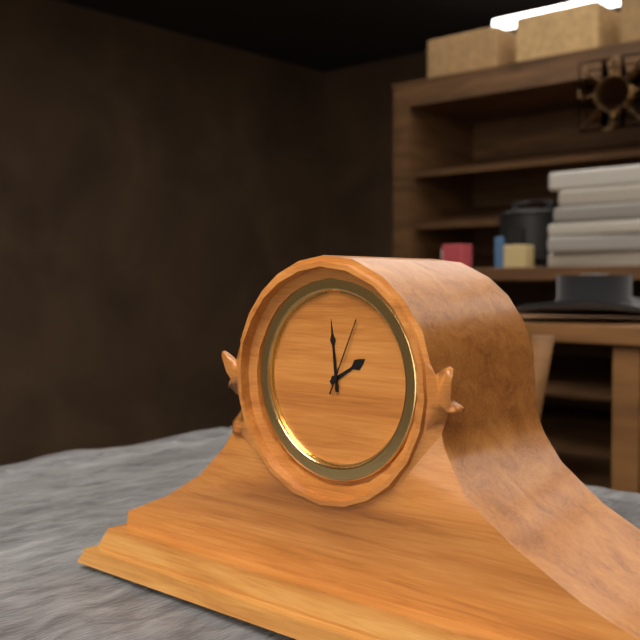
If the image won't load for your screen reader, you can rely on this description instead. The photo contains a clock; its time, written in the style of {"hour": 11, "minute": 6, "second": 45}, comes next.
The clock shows {"hour": 1, "minute": 59, "second": 4}
